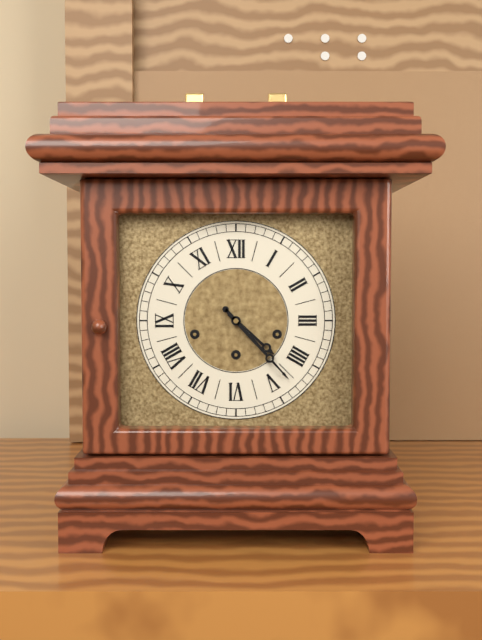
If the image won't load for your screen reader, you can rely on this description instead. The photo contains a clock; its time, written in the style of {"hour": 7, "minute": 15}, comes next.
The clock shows {"hour": 4, "minute": 23}
